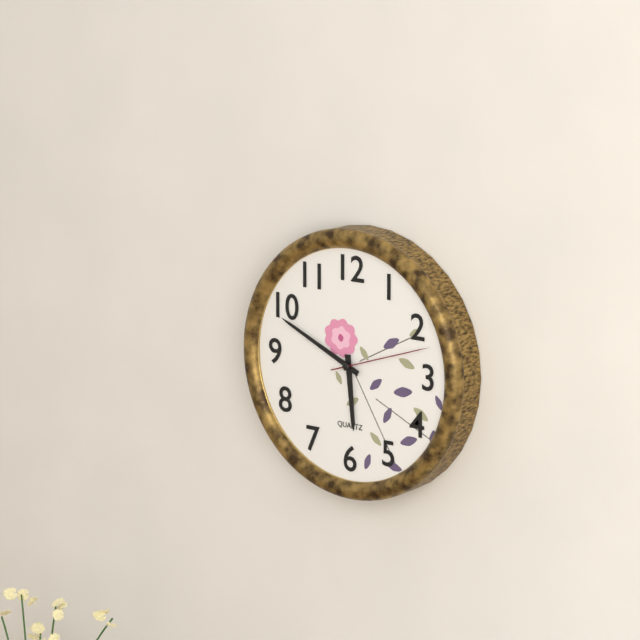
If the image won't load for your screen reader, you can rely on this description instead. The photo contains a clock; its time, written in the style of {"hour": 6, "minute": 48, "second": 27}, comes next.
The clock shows {"hour": 5, "minute": 49, "second": 12}
